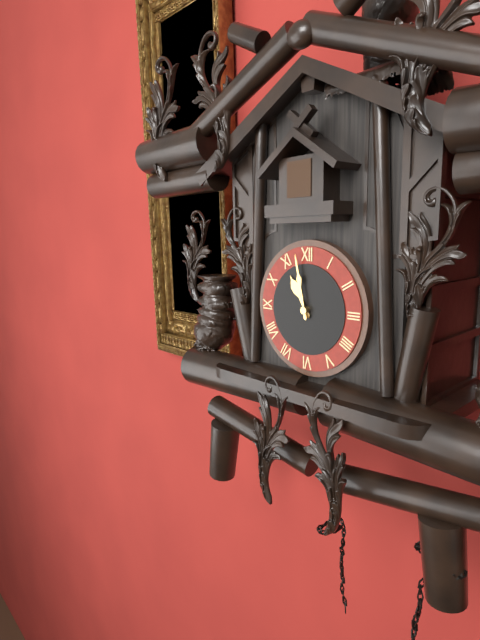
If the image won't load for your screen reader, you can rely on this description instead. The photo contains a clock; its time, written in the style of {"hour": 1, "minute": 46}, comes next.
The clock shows {"hour": 10, "minute": 58}
